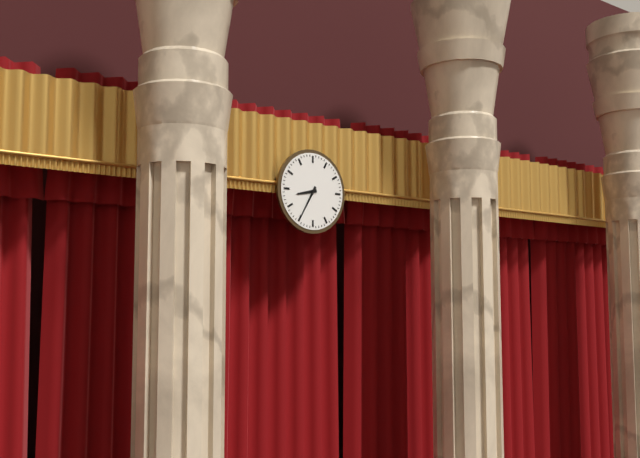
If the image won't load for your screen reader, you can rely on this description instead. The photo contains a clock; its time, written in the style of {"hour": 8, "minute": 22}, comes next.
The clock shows {"hour": 8, "minute": 35}
